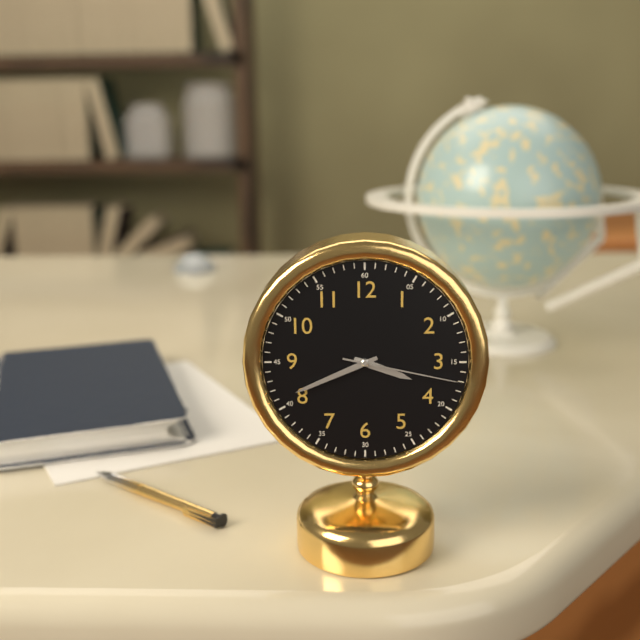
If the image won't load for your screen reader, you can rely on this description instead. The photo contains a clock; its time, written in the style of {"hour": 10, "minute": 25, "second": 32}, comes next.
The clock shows {"hour": 3, "minute": 41, "second": 17}
